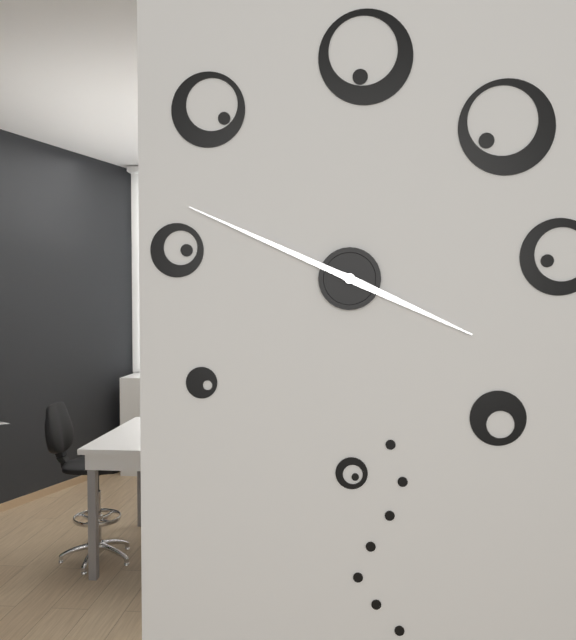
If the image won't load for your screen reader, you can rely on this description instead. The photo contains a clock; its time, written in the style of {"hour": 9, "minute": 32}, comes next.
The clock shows {"hour": 3, "minute": 49}
